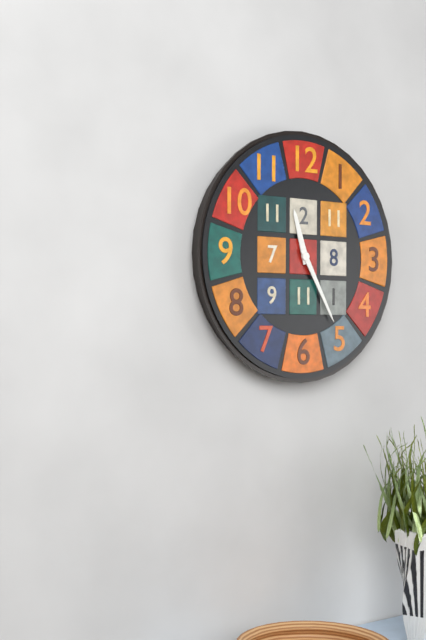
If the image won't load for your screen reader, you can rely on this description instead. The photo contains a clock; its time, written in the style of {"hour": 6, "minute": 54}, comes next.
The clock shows {"hour": 11, "minute": 25}
